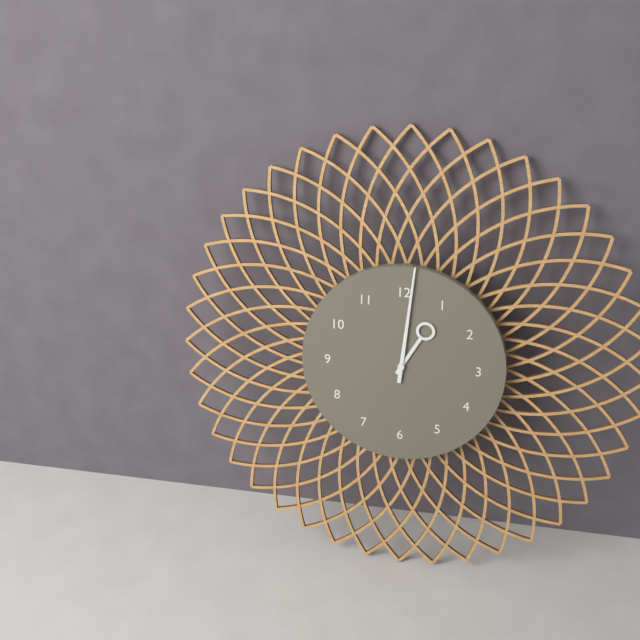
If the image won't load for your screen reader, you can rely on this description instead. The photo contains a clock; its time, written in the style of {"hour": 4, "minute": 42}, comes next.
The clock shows {"hour": 1, "minute": 1}
